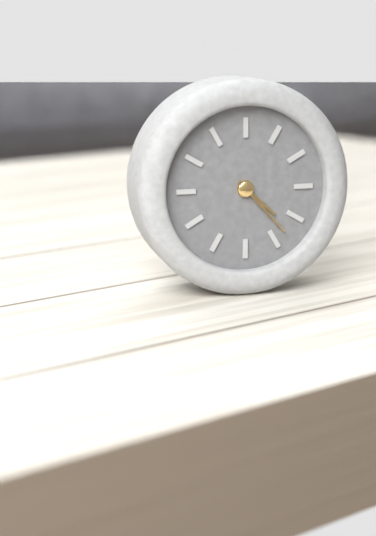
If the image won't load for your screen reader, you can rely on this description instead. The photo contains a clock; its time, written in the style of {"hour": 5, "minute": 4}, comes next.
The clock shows {"hour": 4, "minute": 23}
